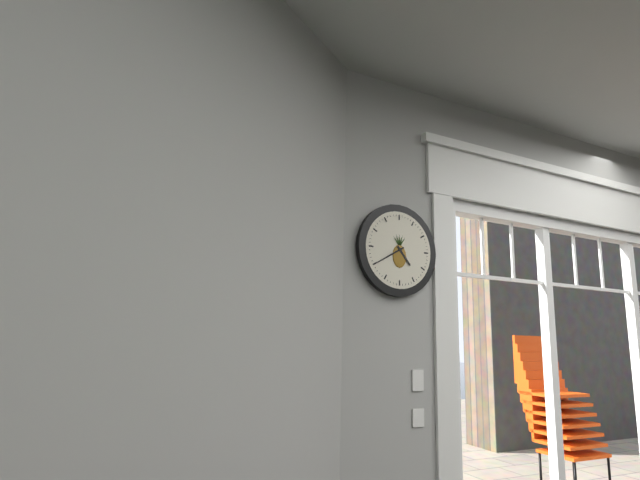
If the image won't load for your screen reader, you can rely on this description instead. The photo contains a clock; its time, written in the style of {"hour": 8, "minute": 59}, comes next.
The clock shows {"hour": 4, "minute": 40}
